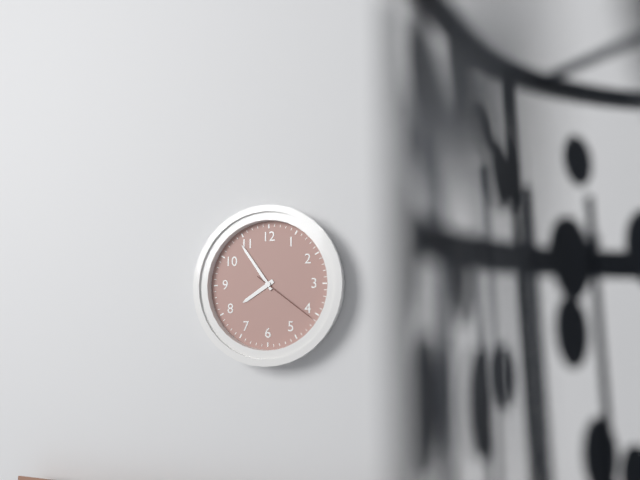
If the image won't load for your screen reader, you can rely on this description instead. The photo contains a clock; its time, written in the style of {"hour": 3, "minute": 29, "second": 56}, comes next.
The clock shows {"hour": 7, "minute": 54, "second": 21}
